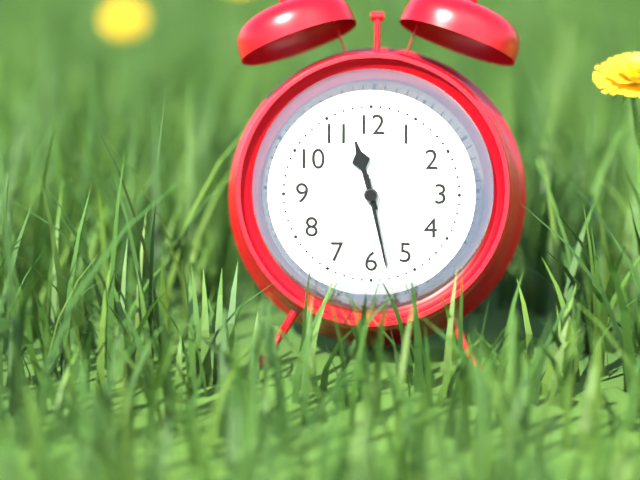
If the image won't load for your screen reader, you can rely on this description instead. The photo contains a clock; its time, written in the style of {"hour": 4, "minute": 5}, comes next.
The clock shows {"hour": 11, "minute": 28}
